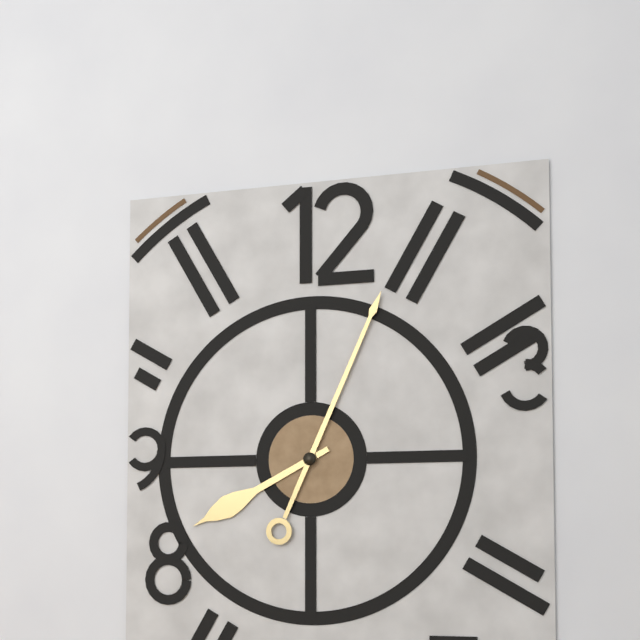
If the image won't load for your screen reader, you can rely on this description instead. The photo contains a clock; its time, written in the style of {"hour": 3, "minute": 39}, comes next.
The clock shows {"hour": 8, "minute": 4}
